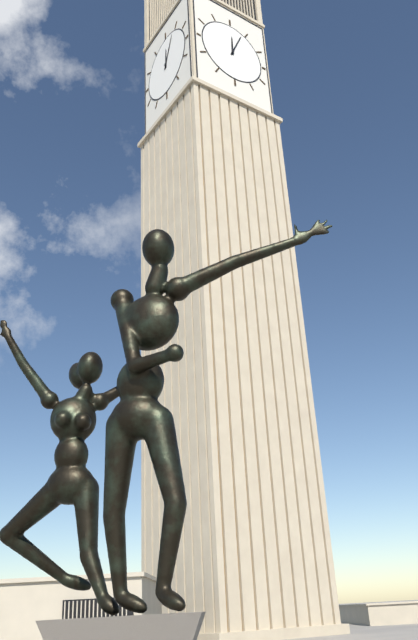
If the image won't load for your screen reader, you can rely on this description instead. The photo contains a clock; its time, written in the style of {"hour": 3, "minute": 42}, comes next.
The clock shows {"hour": 12, "minute": 4}
